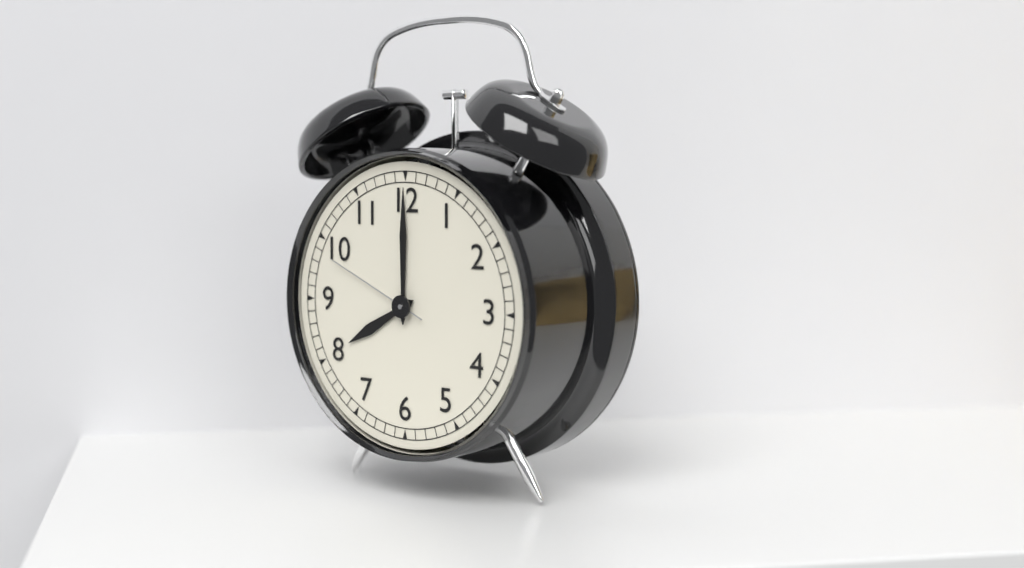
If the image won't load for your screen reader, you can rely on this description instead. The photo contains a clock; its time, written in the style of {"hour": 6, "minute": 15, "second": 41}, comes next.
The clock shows {"hour": 8, "minute": 0, "second": 49}
